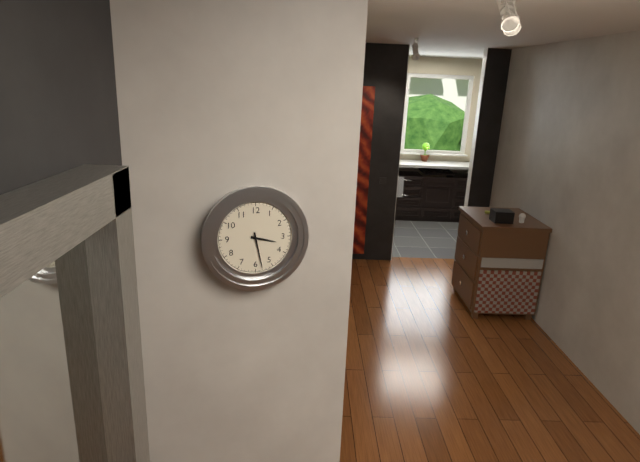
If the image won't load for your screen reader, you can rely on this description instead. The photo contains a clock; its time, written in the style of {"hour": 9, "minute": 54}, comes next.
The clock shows {"hour": 3, "minute": 28}
